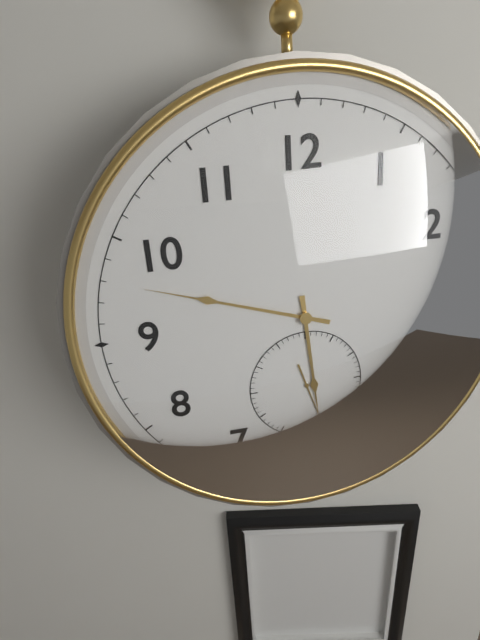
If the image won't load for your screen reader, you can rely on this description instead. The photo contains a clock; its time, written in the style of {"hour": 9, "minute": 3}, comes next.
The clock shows {"hour": 5, "minute": 48}
